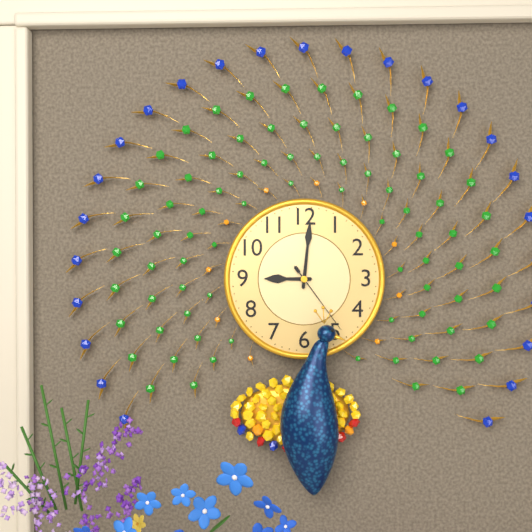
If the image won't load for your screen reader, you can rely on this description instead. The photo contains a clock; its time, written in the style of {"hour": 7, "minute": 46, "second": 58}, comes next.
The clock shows {"hour": 9, "minute": 1, "second": 24}
